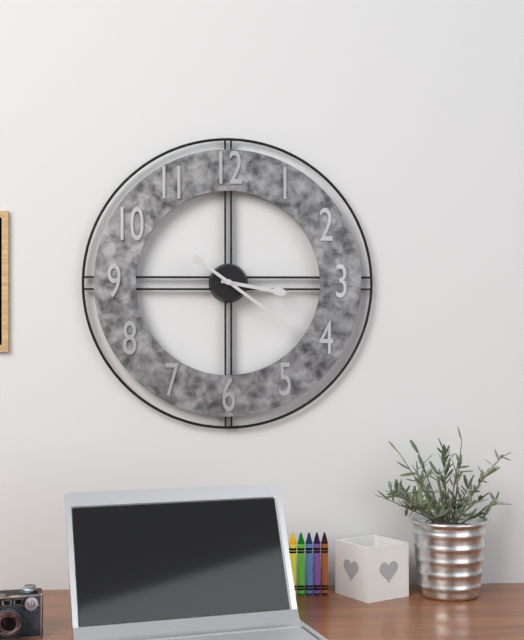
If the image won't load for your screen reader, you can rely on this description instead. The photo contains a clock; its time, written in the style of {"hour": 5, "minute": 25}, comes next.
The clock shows {"hour": 3, "minute": 21}
